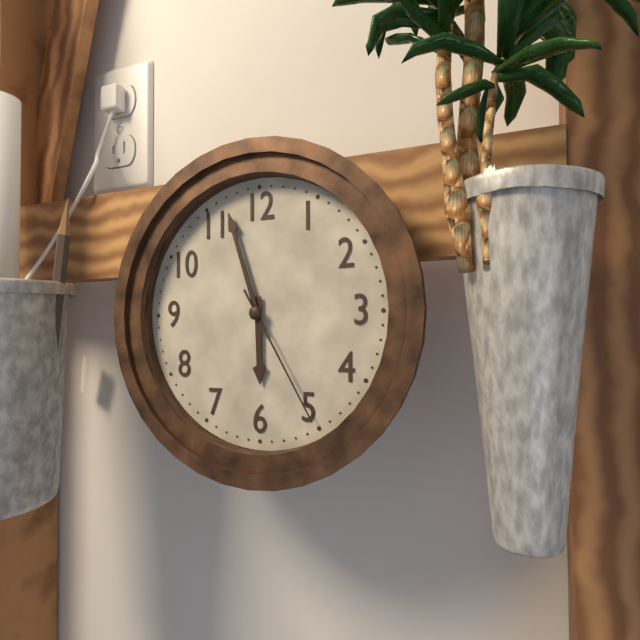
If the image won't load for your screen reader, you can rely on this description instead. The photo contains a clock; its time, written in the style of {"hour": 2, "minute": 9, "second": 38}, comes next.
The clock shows {"hour": 5, "minute": 57, "second": 25}
